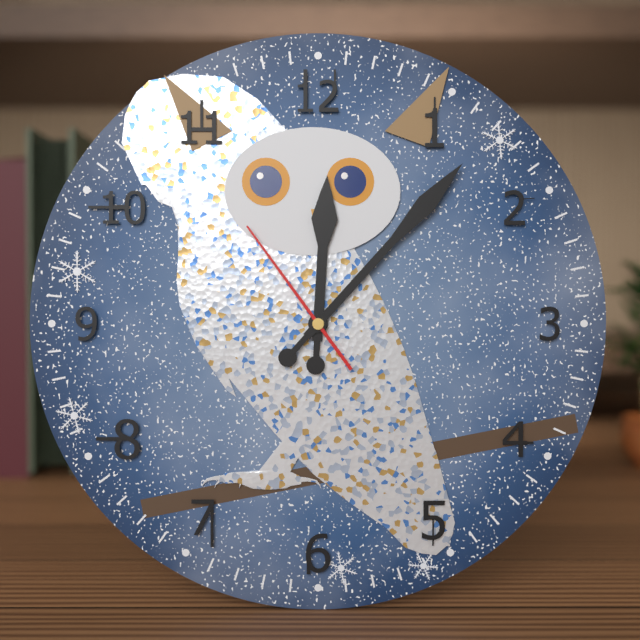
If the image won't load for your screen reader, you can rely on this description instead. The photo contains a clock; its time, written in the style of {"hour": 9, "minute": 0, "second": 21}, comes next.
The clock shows {"hour": 12, "minute": 7, "second": 54}
